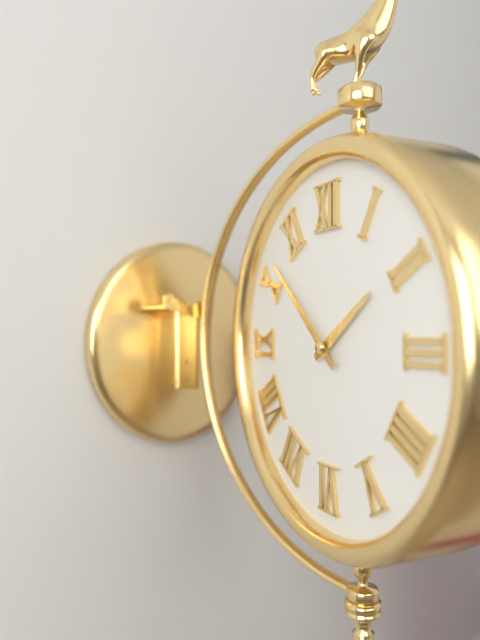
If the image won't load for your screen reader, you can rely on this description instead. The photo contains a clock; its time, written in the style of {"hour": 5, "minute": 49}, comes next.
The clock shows {"hour": 1, "minute": 52}
